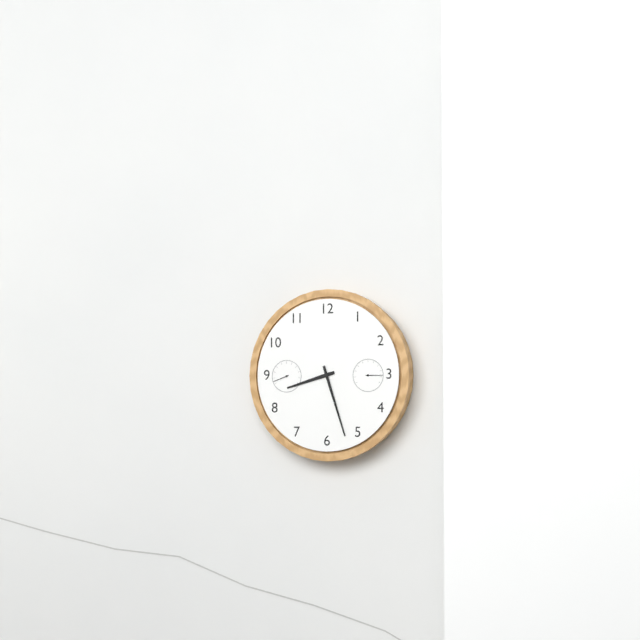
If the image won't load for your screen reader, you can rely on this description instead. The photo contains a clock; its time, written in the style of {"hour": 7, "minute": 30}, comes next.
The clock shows {"hour": 8, "minute": 27}
